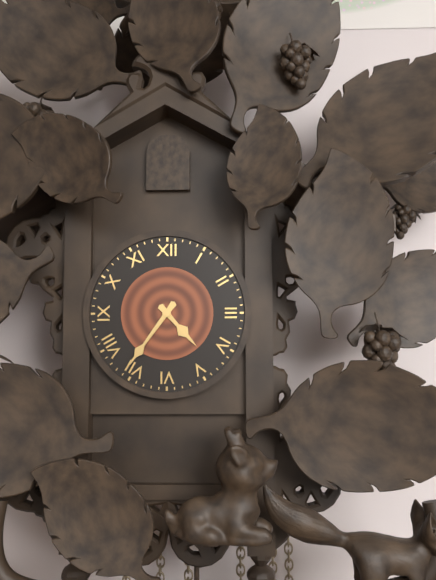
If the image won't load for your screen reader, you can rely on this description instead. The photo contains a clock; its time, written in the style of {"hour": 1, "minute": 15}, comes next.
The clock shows {"hour": 4, "minute": 36}
